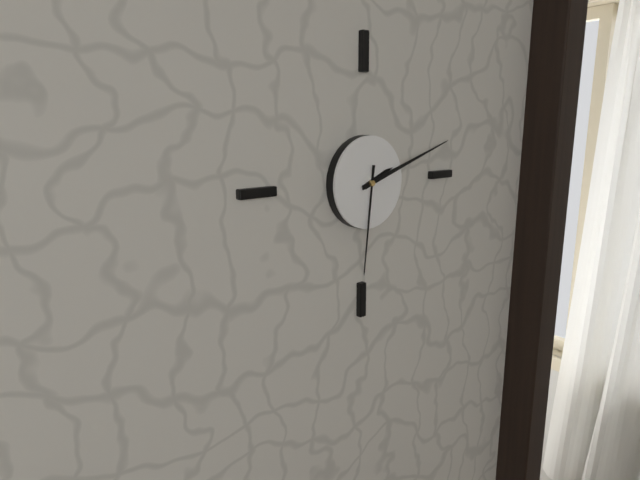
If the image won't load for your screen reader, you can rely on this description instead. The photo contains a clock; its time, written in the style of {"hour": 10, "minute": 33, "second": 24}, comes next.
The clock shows {"hour": 2, "minute": 12, "second": 31}
